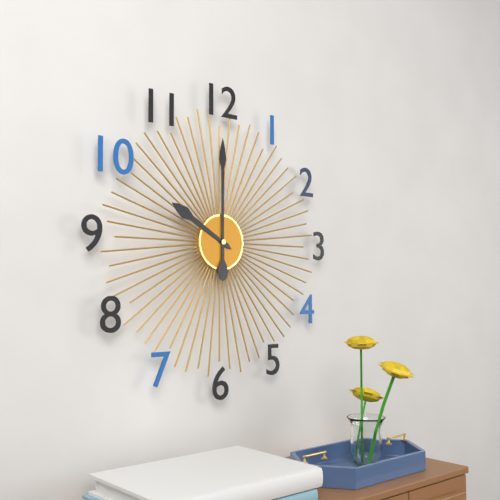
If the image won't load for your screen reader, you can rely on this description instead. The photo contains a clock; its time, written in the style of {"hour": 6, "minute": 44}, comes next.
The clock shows {"hour": 10, "minute": 0}
